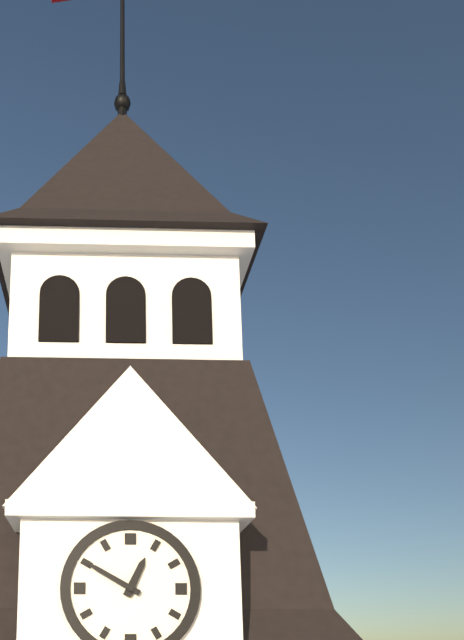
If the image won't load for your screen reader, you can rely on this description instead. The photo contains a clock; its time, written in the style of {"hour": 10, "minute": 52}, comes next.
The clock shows {"hour": 12, "minute": 50}
